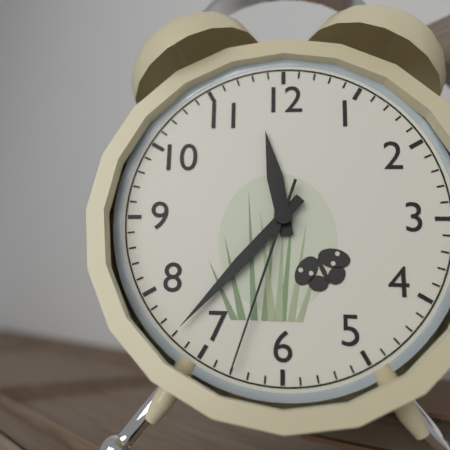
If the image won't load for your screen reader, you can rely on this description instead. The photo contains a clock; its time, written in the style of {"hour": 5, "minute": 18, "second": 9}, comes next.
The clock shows {"hour": 11, "minute": 37, "second": 33}
